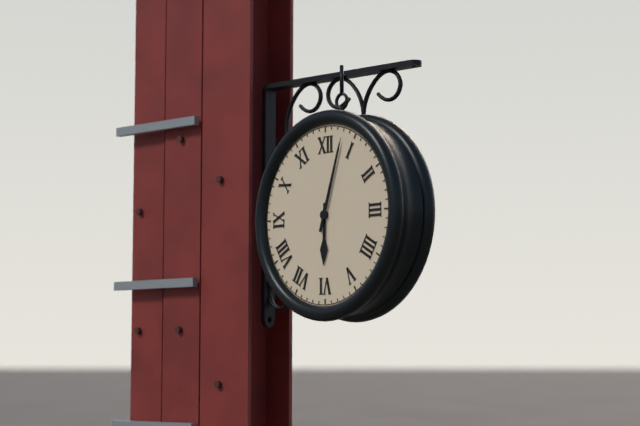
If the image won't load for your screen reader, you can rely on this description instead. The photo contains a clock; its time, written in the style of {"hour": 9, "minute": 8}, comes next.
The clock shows {"hour": 6, "minute": 3}
